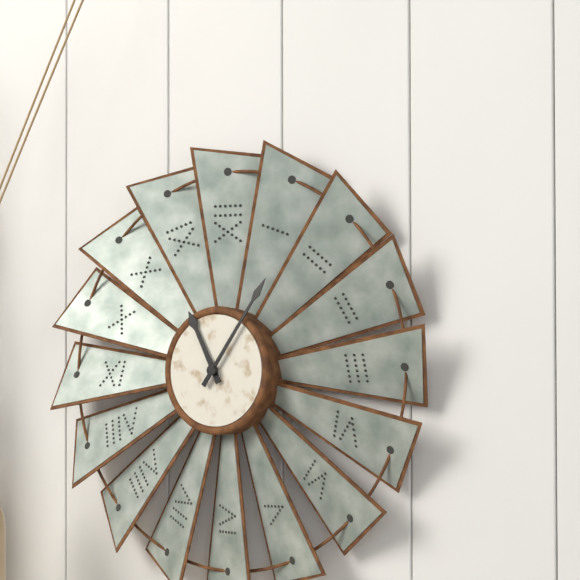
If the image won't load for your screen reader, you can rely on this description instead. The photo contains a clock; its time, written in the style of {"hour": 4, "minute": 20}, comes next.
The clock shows {"hour": 11, "minute": 6}
